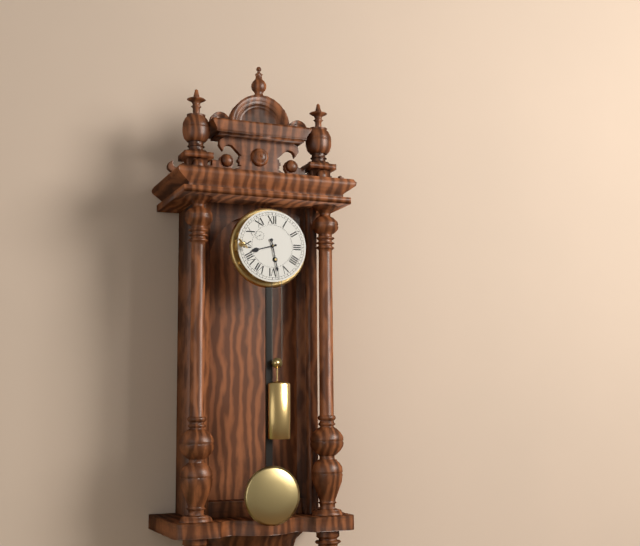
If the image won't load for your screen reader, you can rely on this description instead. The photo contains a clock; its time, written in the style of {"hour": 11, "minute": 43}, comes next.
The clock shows {"hour": 8, "minute": 28}
